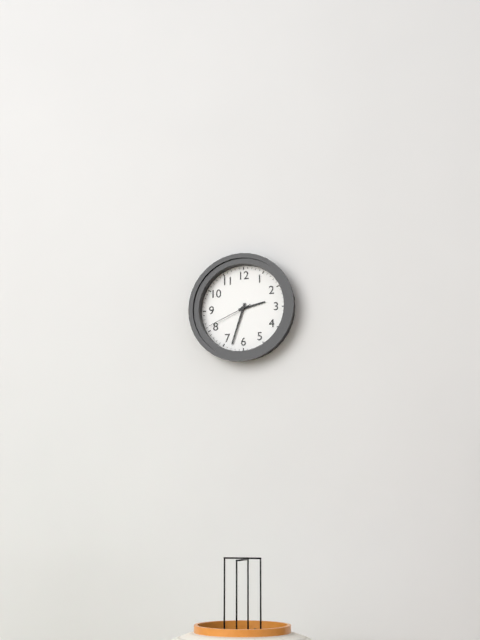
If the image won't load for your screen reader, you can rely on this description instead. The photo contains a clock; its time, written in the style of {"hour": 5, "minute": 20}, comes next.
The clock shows {"hour": 2, "minute": 33}
